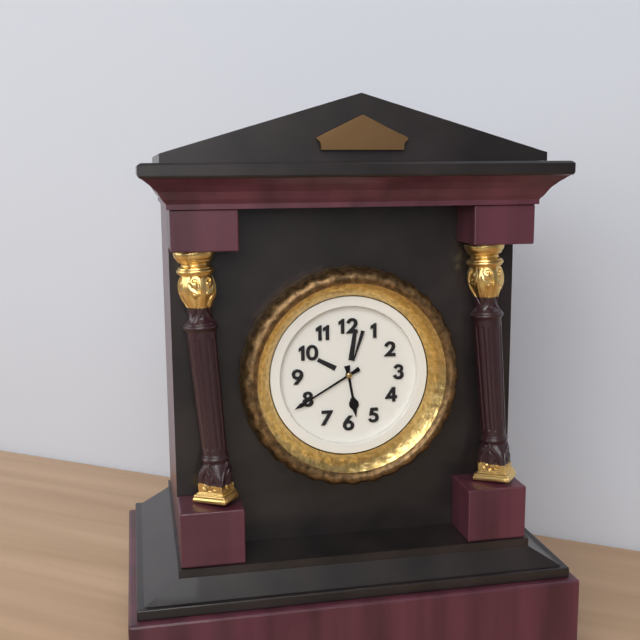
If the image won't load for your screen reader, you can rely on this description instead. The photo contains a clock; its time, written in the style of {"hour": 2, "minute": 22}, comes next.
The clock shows {"hour": 5, "minute": 40}
